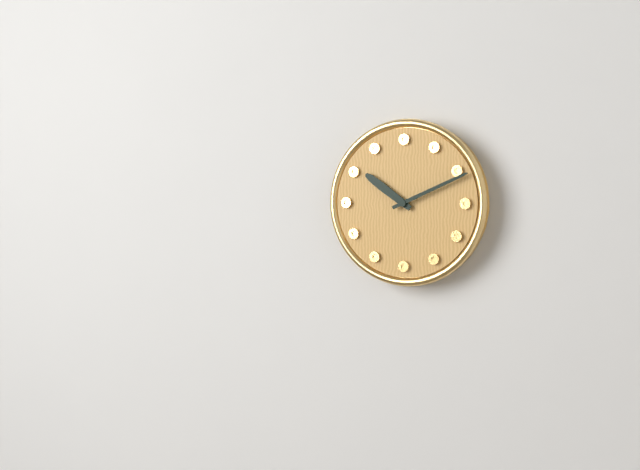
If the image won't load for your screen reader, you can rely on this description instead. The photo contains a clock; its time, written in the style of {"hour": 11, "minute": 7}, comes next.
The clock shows {"hour": 10, "minute": 11}
